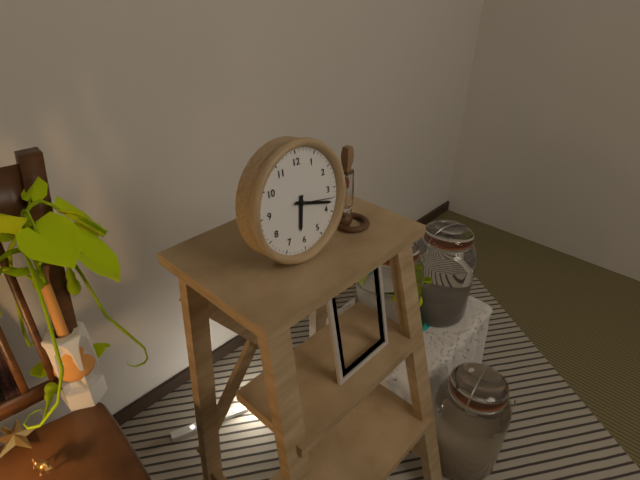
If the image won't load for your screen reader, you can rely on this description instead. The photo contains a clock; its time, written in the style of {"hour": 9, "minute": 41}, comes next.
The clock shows {"hour": 6, "minute": 18}
